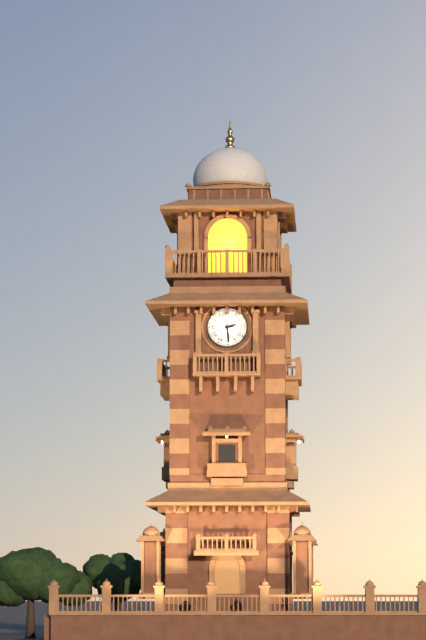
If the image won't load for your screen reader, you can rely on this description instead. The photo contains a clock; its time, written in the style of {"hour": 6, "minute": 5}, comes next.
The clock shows {"hour": 2, "minute": 29}
